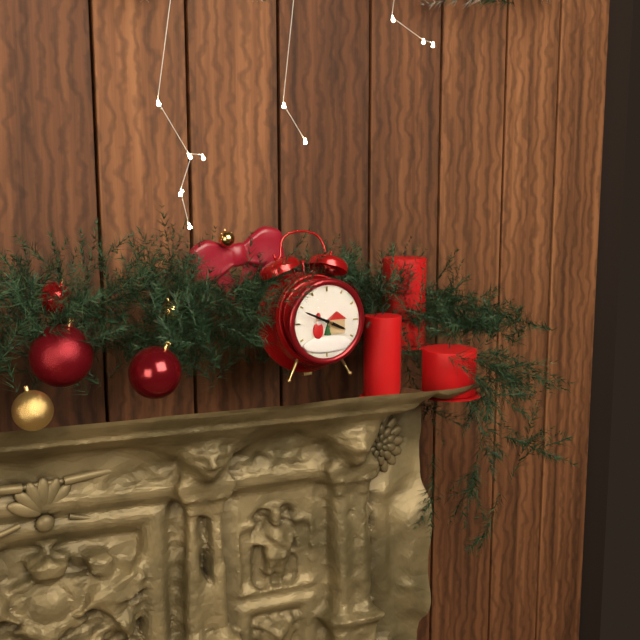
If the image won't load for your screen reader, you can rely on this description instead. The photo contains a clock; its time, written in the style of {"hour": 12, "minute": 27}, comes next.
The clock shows {"hour": 3, "minute": 49}
